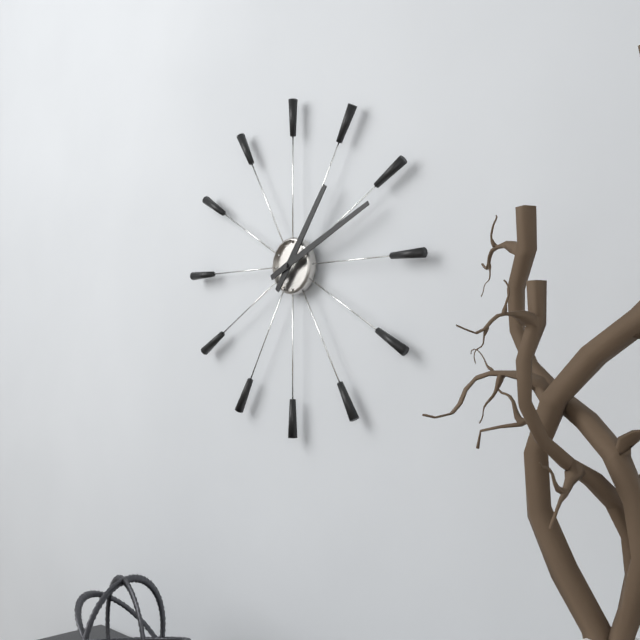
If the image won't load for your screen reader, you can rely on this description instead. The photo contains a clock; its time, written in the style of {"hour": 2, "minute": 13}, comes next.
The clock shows {"hour": 1, "minute": 11}
